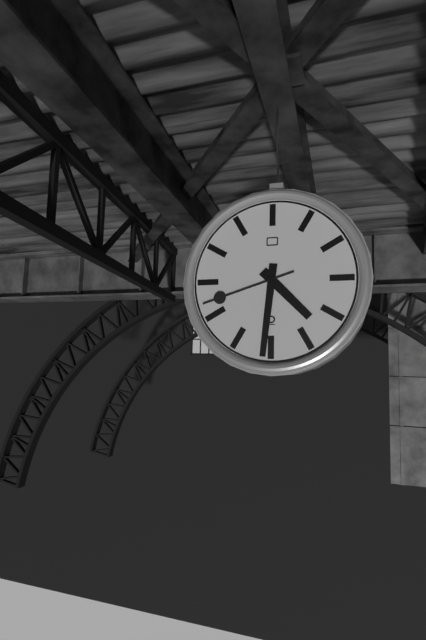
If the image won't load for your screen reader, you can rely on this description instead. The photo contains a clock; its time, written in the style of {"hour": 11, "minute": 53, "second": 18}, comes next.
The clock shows {"hour": 4, "minute": 31, "second": 42}
